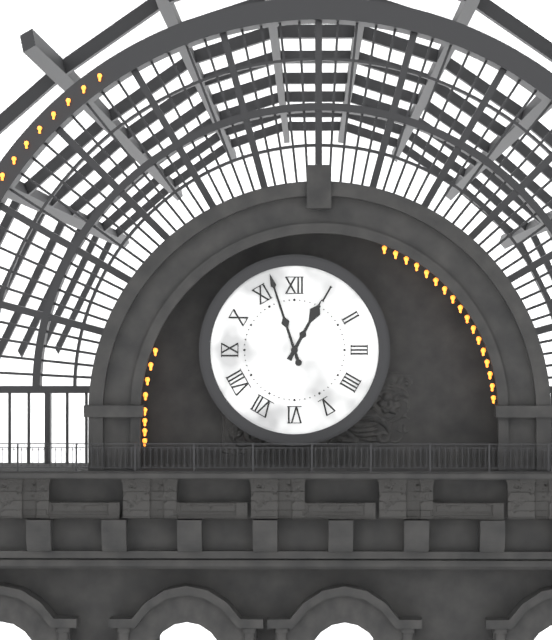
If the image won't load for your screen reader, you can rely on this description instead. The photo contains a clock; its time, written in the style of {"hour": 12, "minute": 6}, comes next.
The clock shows {"hour": 12, "minute": 57}
